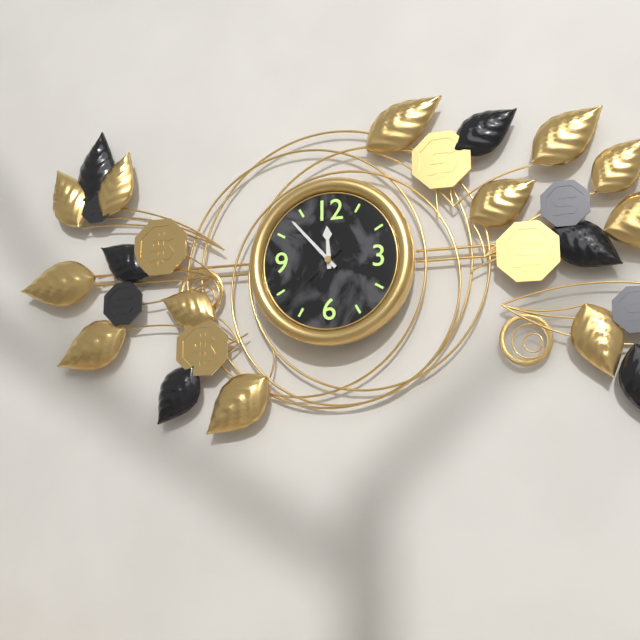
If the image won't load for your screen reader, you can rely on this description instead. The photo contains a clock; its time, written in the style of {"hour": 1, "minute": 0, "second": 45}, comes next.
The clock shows {"hour": 11, "minute": 53, "second": 38}
